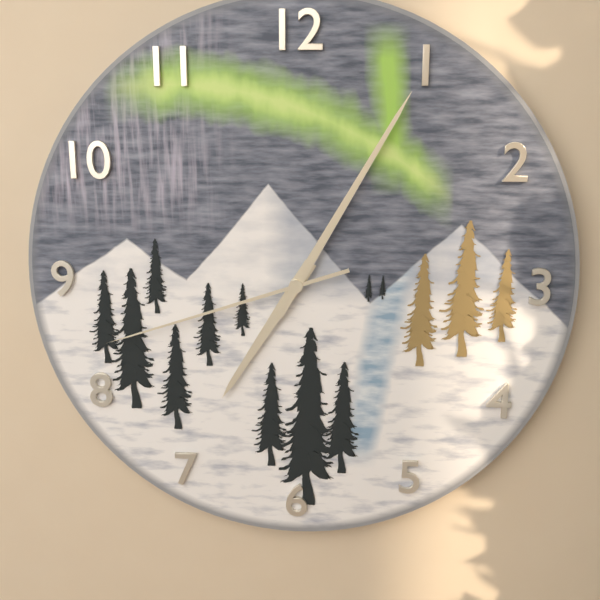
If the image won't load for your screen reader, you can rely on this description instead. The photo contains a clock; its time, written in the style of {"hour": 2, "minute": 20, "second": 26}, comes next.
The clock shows {"hour": 7, "minute": 5, "second": 42}
